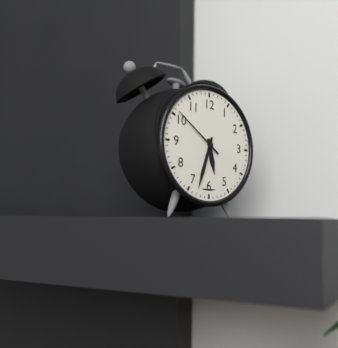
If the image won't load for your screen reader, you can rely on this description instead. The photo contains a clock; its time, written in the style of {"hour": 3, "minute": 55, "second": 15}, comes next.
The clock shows {"hour": 5, "minute": 33, "second": 51}
